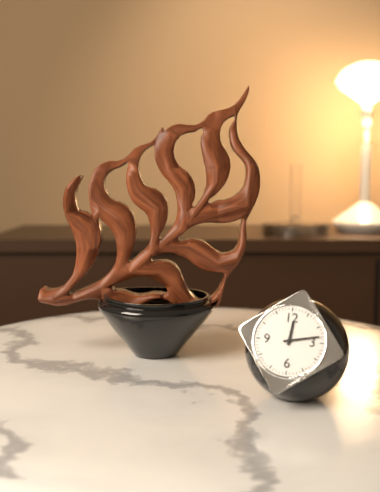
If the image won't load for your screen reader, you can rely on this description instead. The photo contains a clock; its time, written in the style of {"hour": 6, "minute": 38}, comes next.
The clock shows {"hour": 12, "minute": 13}
